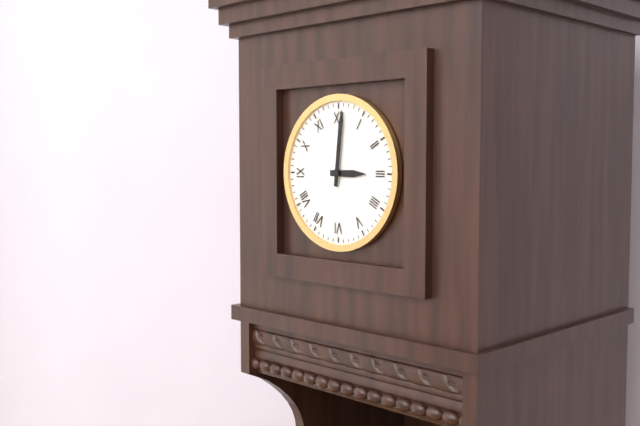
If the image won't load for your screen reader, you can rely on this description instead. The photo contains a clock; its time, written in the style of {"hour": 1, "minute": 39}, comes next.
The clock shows {"hour": 3, "minute": 1}
